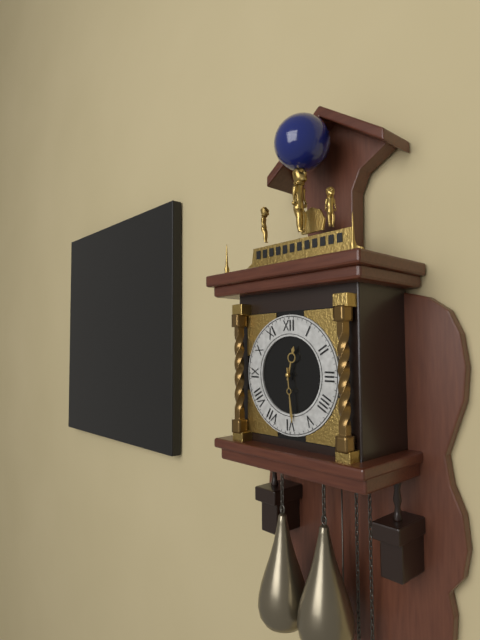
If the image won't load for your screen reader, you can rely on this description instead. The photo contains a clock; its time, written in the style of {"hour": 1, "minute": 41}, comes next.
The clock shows {"hour": 12, "minute": 29}
